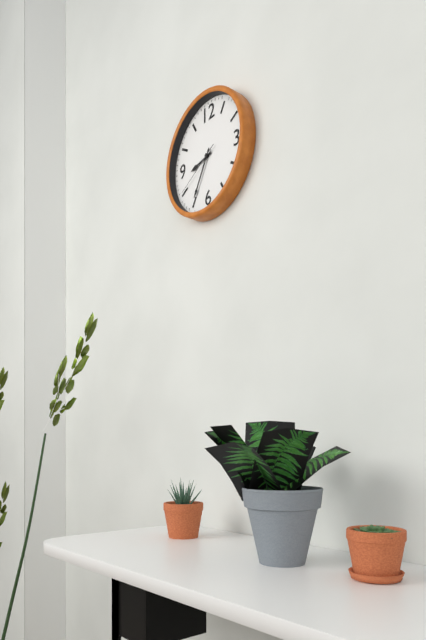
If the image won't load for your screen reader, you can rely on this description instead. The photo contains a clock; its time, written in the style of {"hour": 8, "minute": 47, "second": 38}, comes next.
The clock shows {"hour": 8, "minute": 35, "second": 40}
